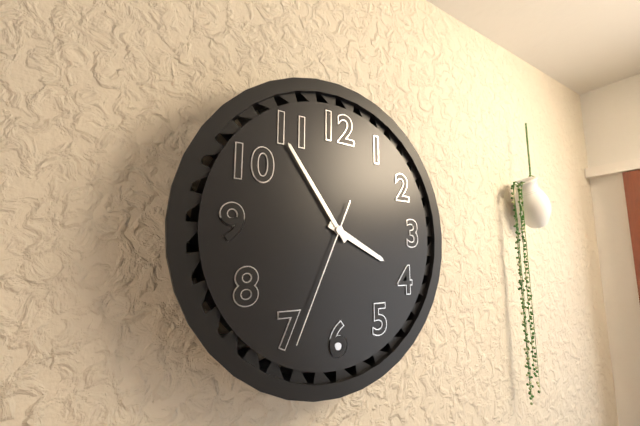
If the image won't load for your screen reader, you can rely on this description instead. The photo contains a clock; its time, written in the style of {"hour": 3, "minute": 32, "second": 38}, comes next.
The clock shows {"hour": 3, "minute": 54, "second": 34}
